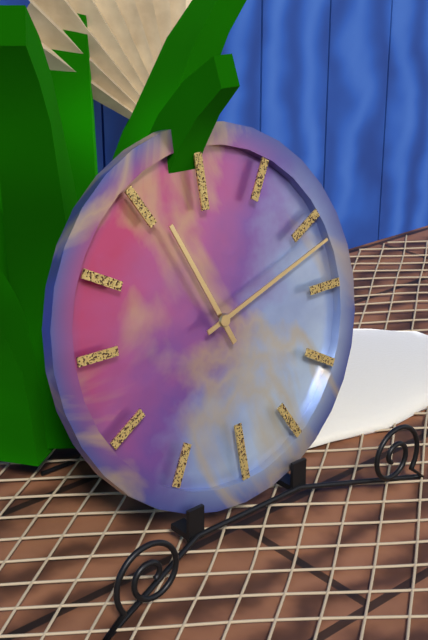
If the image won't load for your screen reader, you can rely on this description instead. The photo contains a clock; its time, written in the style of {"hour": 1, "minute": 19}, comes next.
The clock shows {"hour": 11, "minute": 12}
